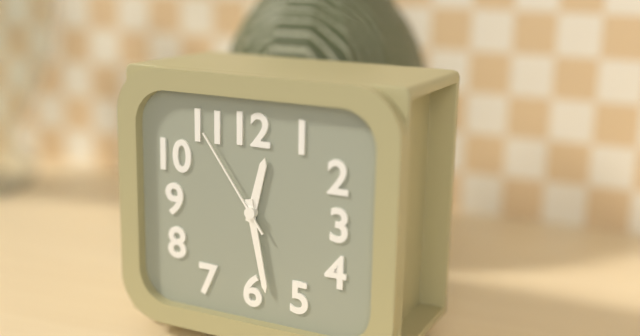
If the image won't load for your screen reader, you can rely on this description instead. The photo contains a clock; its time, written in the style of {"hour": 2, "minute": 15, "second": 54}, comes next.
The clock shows {"hour": 12, "minute": 28, "second": 54}
